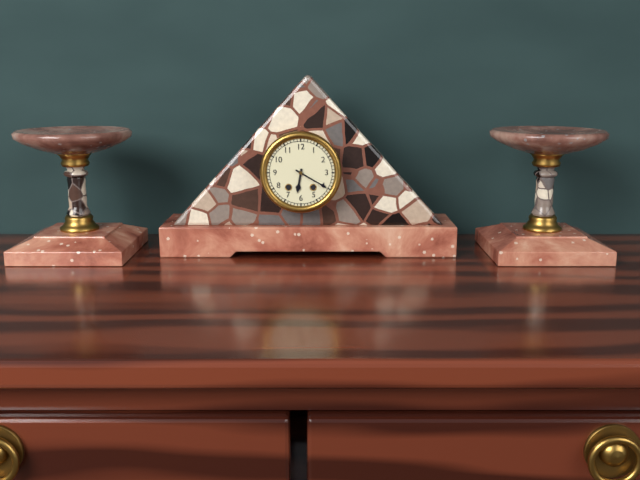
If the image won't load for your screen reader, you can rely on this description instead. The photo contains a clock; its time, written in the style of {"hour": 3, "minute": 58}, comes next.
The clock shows {"hour": 6, "minute": 20}
